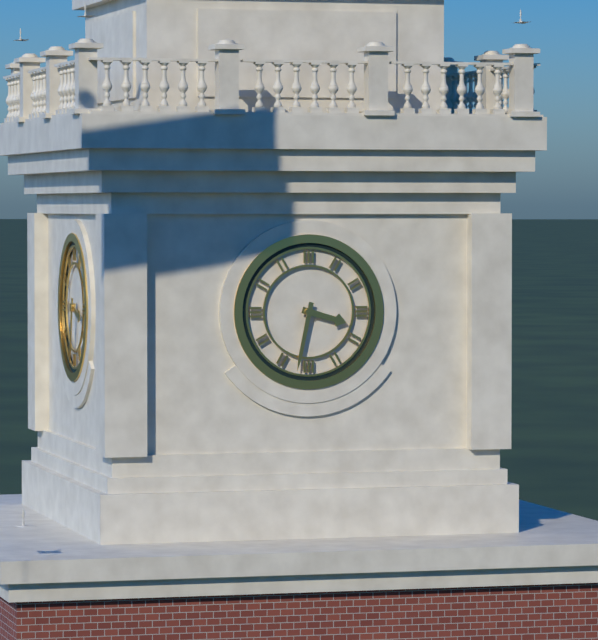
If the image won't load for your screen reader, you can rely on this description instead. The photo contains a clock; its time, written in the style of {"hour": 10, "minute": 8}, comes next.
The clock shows {"hour": 3, "minute": 32}
